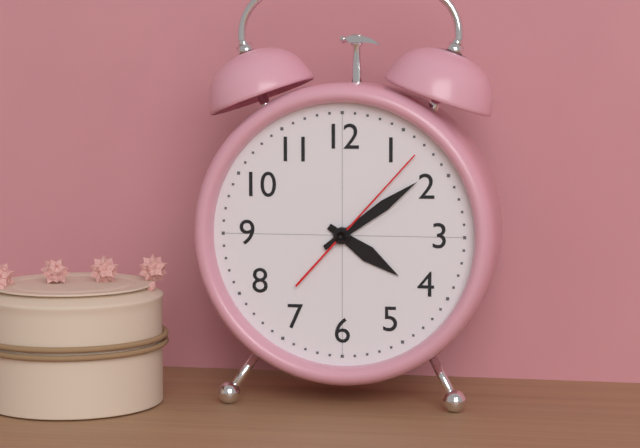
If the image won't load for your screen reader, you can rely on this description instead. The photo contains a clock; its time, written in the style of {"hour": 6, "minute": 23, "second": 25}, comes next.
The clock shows {"hour": 4, "minute": 9, "second": 7}
